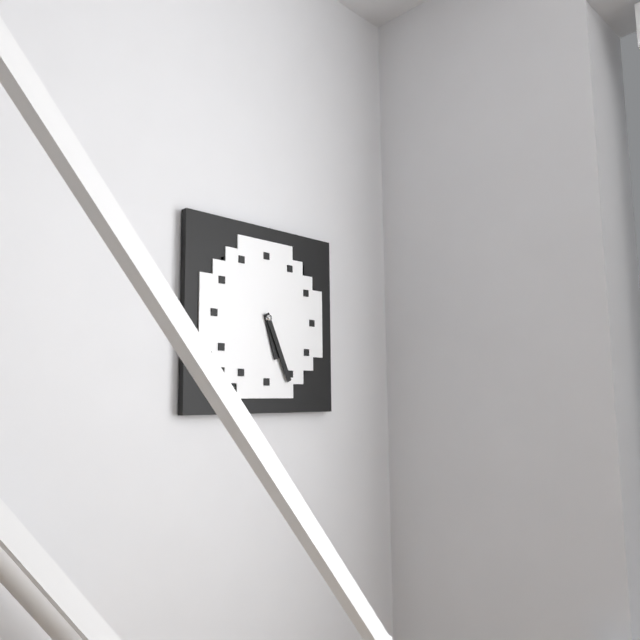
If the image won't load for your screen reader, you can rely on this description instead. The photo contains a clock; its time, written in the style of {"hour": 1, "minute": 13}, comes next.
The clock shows {"hour": 5, "minute": 26}
